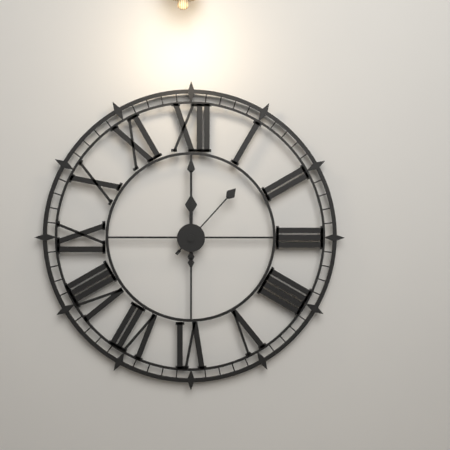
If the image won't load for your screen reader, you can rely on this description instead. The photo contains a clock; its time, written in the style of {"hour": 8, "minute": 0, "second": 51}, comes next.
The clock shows {"hour": 12, "minute": 0, "second": 7}
